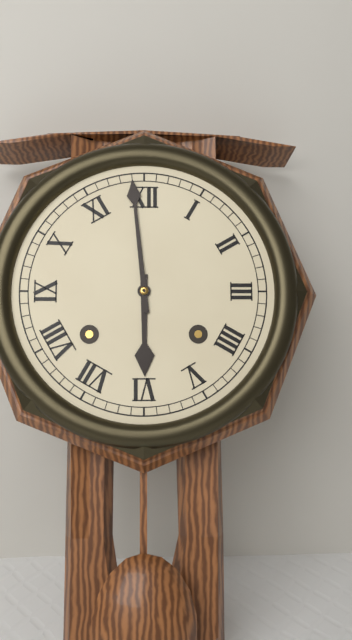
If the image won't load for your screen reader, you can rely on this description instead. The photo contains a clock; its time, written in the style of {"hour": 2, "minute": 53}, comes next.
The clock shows {"hour": 5, "minute": 59}
